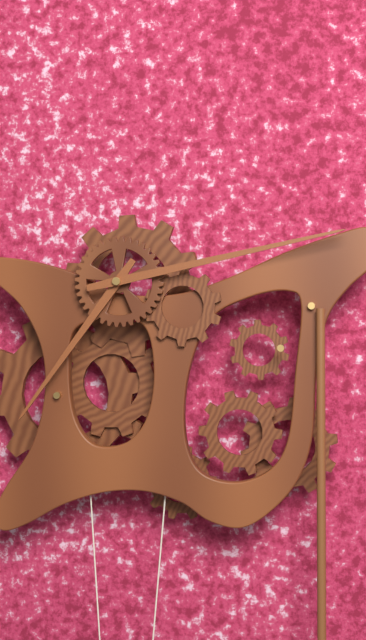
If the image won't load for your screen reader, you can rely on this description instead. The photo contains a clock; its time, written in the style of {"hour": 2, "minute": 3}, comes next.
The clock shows {"hour": 7, "minute": 13}
